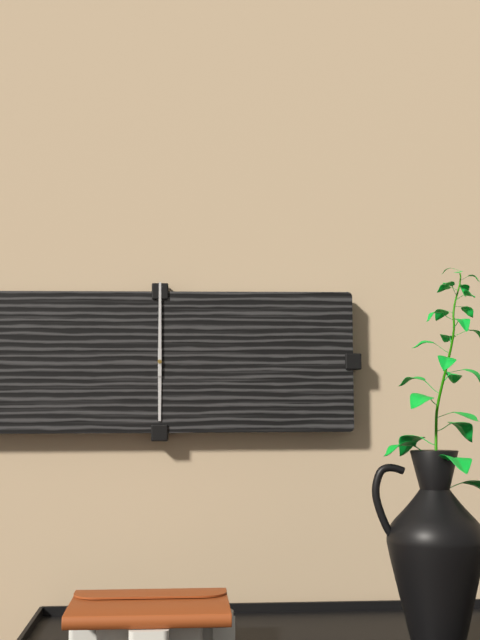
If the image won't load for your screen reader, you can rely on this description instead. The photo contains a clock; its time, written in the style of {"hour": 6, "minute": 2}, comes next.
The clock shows {"hour": 6, "minute": 0}
